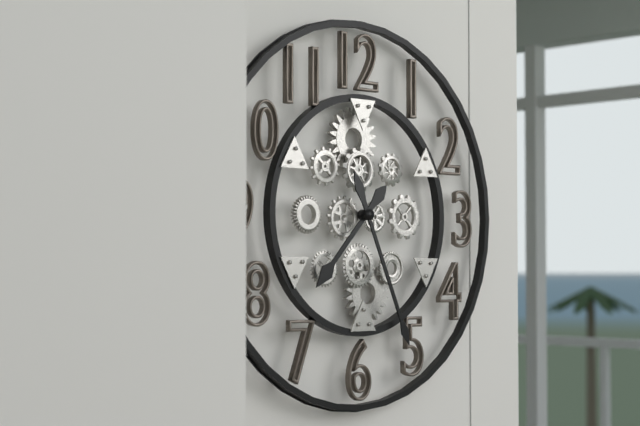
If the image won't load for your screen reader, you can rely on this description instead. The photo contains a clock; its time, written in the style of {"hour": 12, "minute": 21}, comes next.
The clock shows {"hour": 7, "minute": 26}
